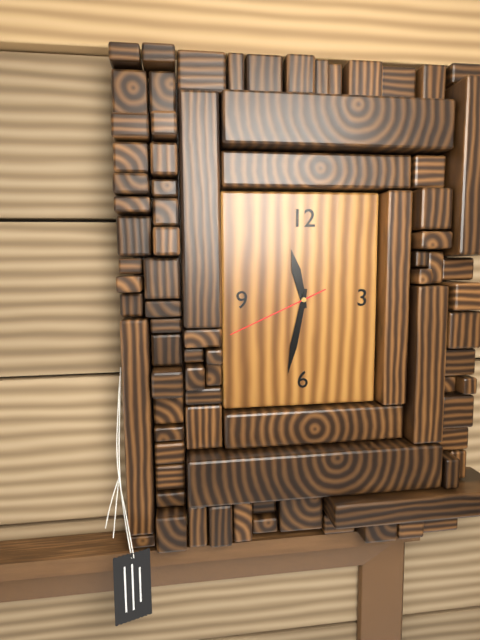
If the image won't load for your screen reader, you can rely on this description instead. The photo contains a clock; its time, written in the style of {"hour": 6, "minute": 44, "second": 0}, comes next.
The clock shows {"hour": 11, "minute": 32, "second": 41}
